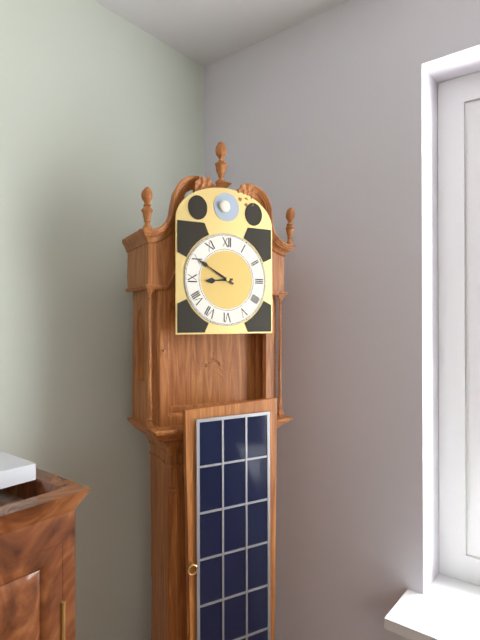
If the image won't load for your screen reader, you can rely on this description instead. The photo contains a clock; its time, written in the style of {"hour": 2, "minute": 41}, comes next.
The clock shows {"hour": 8, "minute": 50}
